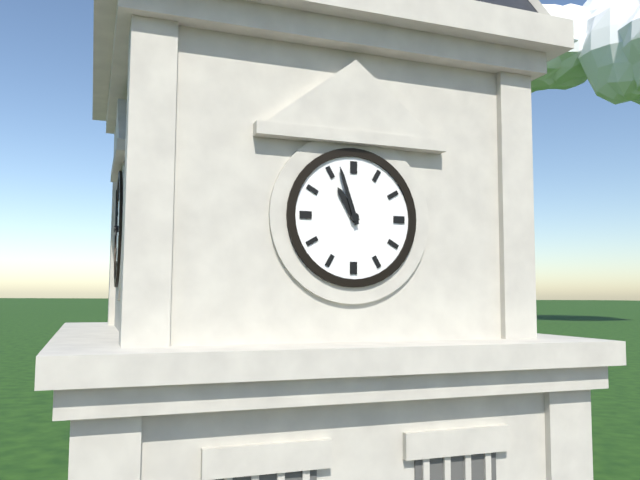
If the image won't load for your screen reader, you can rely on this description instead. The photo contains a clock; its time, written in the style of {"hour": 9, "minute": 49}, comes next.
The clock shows {"hour": 10, "minute": 57}
